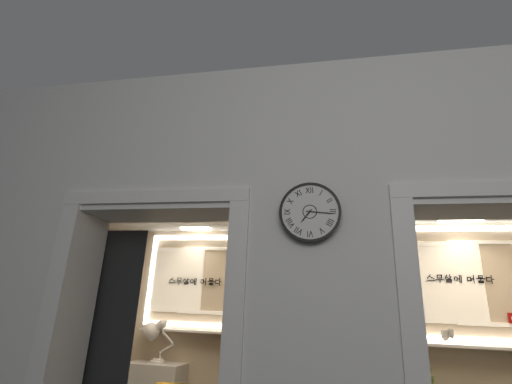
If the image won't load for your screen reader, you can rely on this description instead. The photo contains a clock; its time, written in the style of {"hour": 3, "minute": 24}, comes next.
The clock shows {"hour": 7, "minute": 16}
